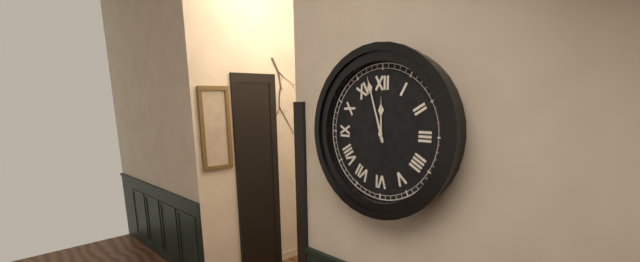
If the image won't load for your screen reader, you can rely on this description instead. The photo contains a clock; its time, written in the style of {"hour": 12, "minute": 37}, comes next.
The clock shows {"hour": 11, "minute": 57}
